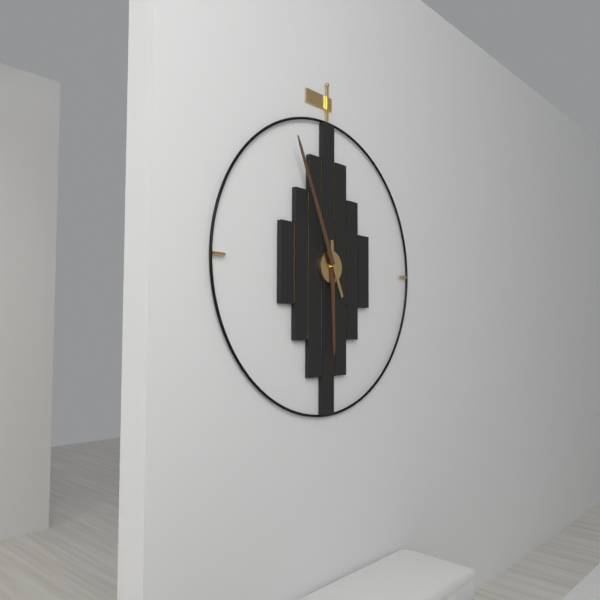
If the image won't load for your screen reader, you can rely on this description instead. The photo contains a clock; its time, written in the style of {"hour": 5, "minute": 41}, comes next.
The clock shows {"hour": 5, "minute": 56}
